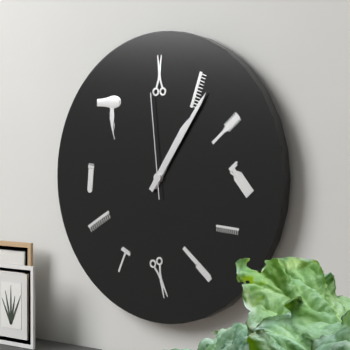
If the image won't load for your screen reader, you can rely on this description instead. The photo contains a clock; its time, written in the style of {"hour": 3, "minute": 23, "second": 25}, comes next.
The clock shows {"hour": 1, "minute": 6, "second": 59}
